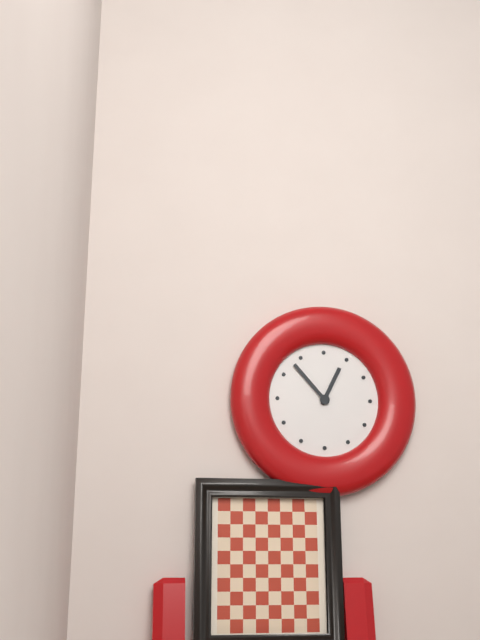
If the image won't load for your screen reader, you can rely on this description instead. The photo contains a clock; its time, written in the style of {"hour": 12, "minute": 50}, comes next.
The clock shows {"hour": 12, "minute": 53}
